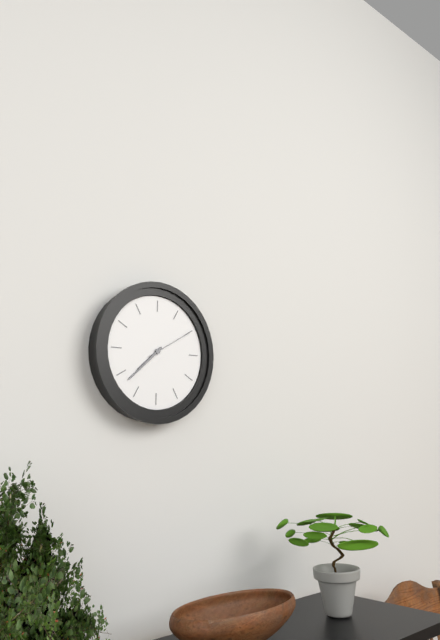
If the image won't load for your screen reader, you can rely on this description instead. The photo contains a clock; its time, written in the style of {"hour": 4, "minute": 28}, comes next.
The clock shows {"hour": 7, "minute": 38}
